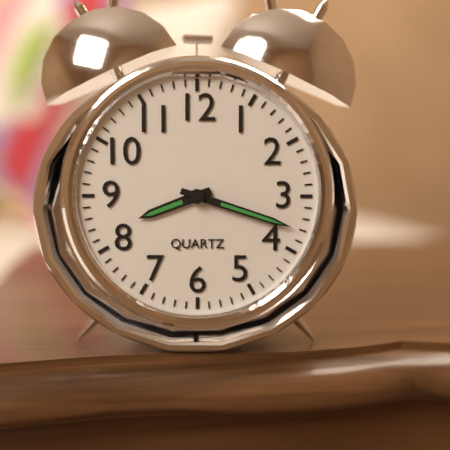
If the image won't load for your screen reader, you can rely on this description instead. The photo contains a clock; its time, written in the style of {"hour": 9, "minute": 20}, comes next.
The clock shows {"hour": 8, "minute": 18}
